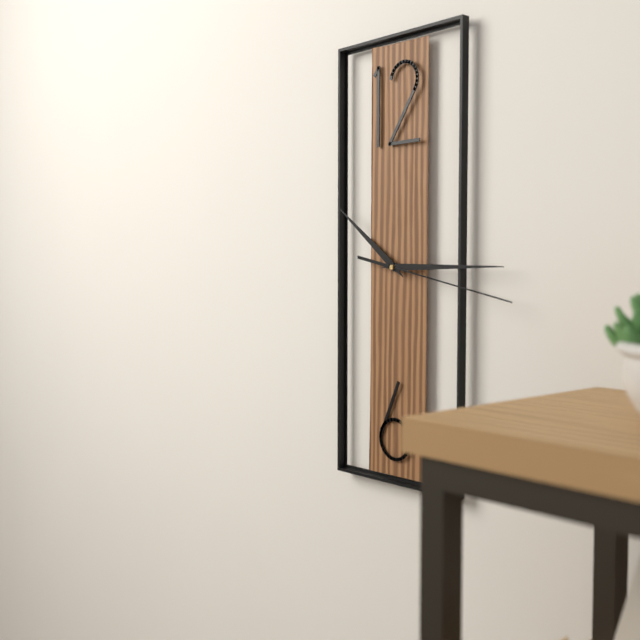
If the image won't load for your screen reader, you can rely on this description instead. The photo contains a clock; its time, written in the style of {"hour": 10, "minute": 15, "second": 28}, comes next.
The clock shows {"hour": 10, "minute": 15, "second": 17}
